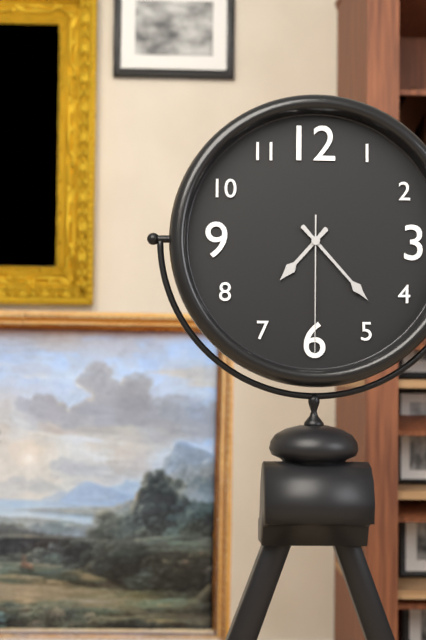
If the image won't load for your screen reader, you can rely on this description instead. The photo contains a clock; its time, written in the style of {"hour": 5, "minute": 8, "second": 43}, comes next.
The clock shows {"hour": 7, "minute": 23, "second": 30}
